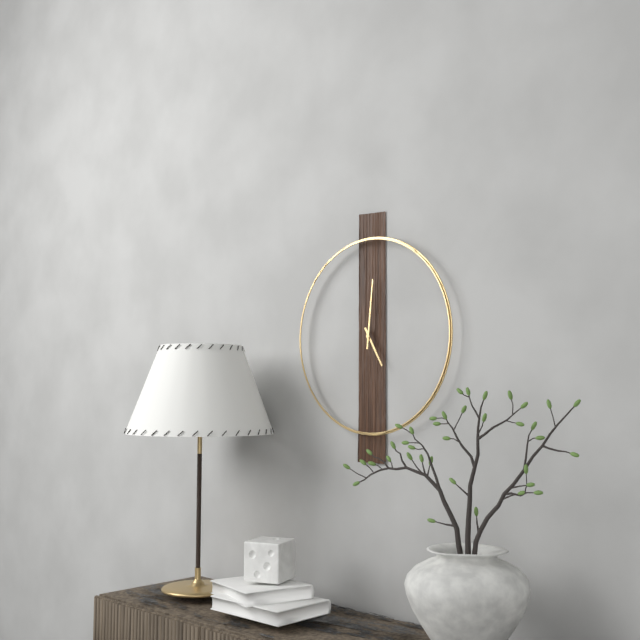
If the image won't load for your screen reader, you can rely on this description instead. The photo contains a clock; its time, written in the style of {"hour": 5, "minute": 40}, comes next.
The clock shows {"hour": 5, "minute": 1}
